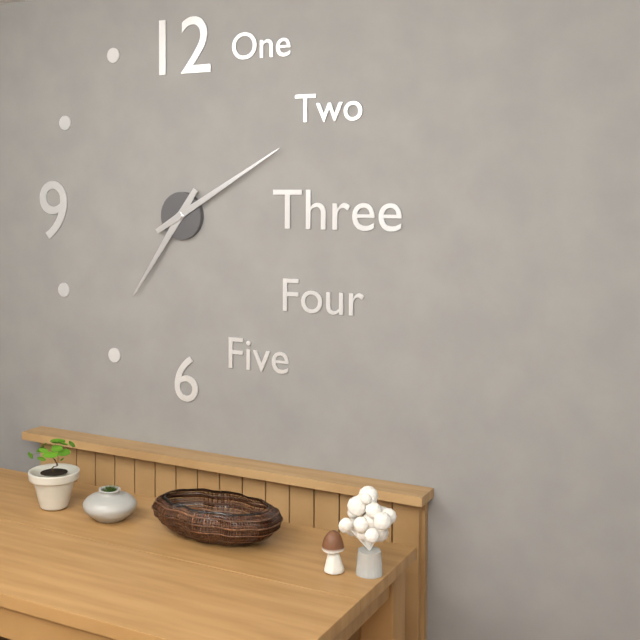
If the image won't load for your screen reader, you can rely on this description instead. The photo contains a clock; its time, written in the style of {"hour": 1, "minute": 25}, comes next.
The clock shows {"hour": 7, "minute": 10}
